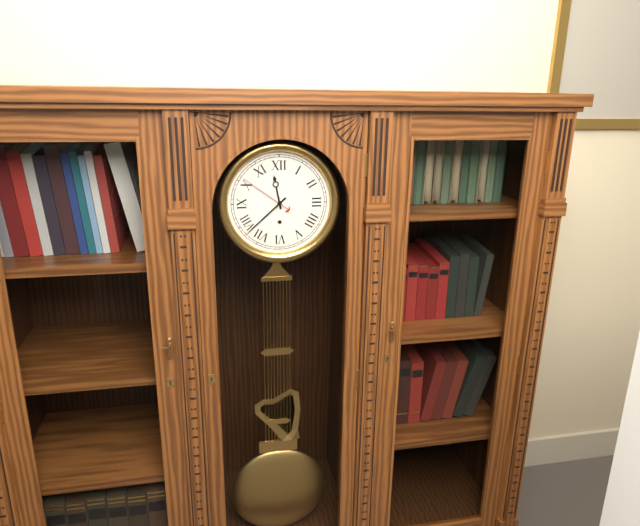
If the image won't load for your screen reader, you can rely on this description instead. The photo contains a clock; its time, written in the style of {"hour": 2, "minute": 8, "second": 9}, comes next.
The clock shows {"hour": 11, "minute": 38, "second": 51}
